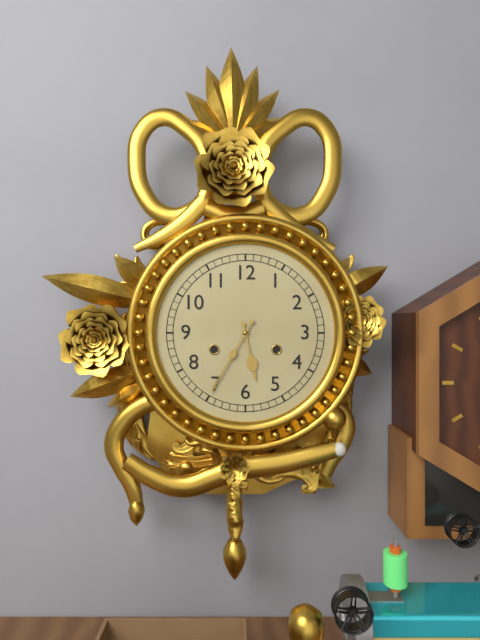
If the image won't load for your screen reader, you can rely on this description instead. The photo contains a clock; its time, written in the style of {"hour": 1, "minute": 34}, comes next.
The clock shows {"hour": 5, "minute": 35}
